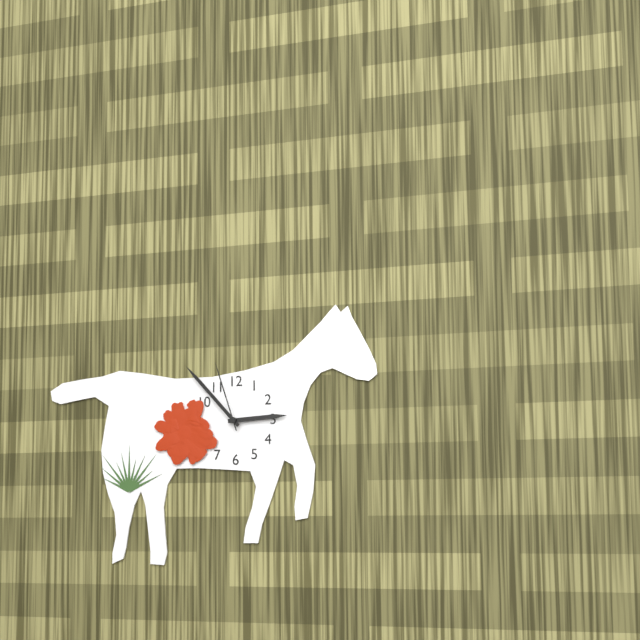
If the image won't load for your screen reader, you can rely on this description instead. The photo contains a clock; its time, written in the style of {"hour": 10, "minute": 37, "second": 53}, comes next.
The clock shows {"hour": 2, "minute": 53, "second": 57}
